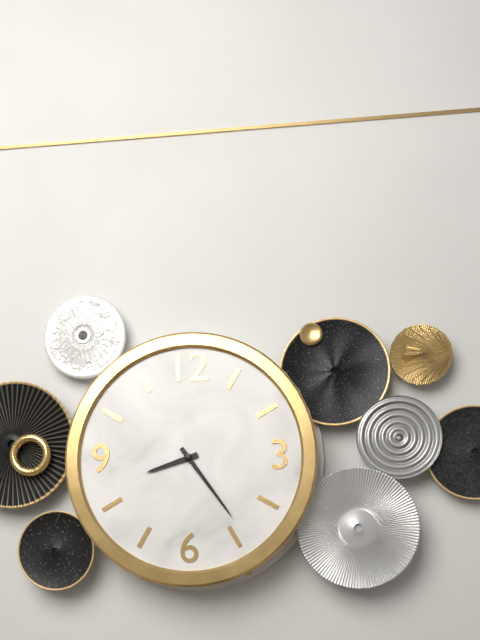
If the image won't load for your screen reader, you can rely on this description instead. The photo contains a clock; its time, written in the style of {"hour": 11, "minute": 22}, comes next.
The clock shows {"hour": 8, "minute": 24}
